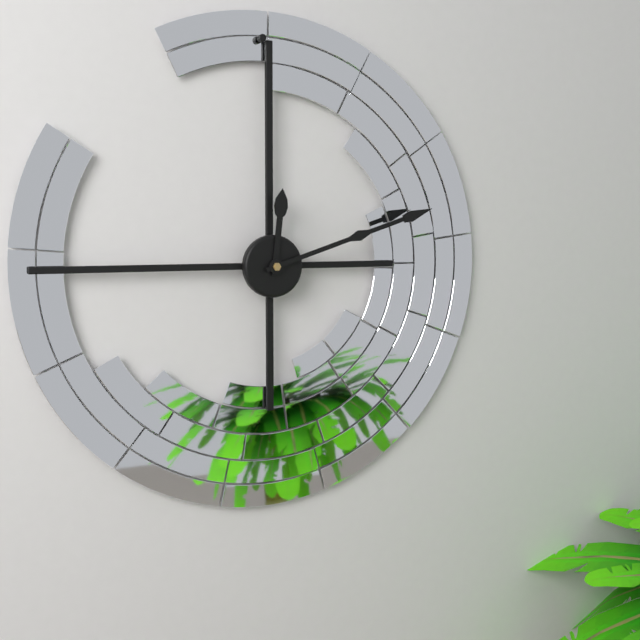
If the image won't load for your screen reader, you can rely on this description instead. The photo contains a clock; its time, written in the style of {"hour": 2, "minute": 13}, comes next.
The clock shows {"hour": 12, "minute": 12}
